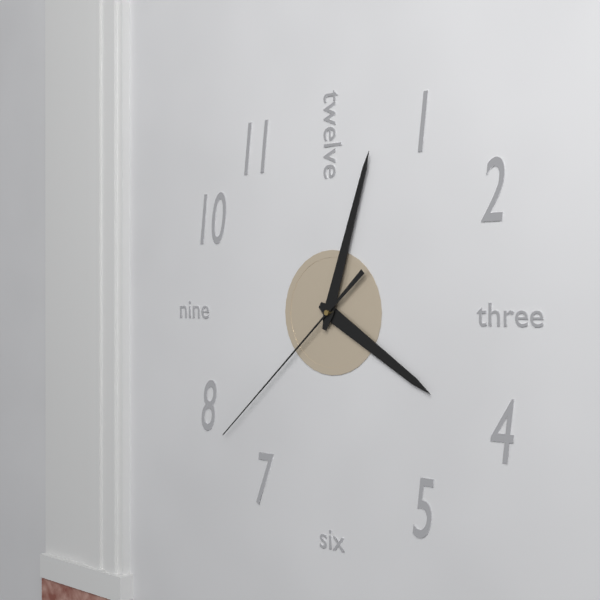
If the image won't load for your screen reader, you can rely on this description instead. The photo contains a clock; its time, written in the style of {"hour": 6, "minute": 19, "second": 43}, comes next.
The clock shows {"hour": 4, "minute": 3, "second": 38}
